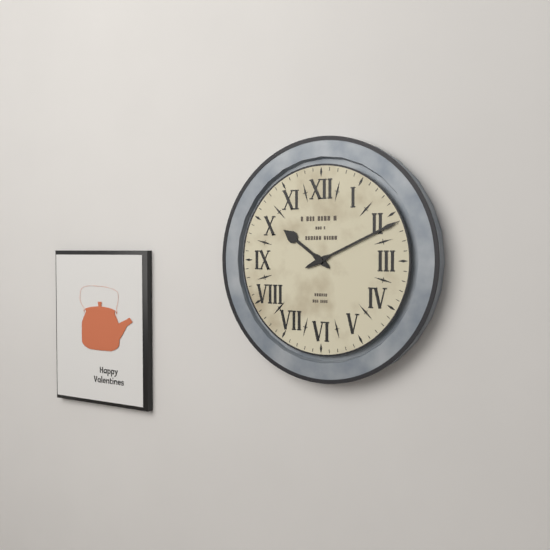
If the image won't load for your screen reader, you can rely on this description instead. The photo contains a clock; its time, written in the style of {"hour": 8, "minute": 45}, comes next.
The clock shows {"hour": 10, "minute": 11}
